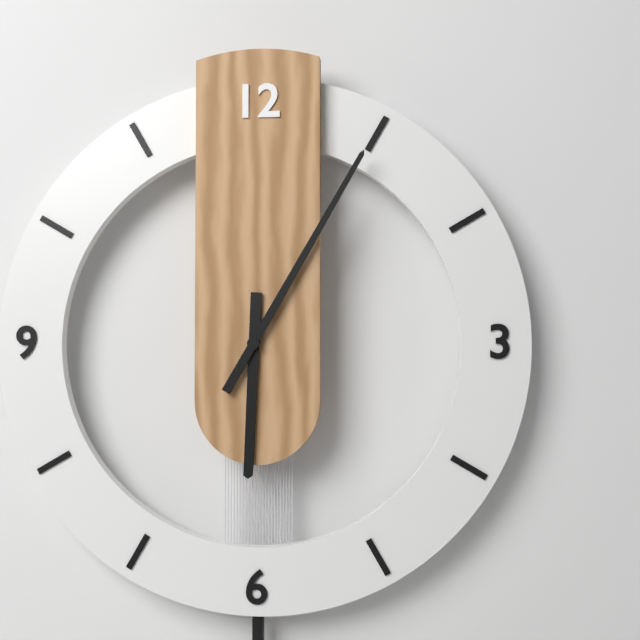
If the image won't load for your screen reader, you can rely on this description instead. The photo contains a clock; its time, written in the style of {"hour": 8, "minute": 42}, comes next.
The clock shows {"hour": 6, "minute": 5}
